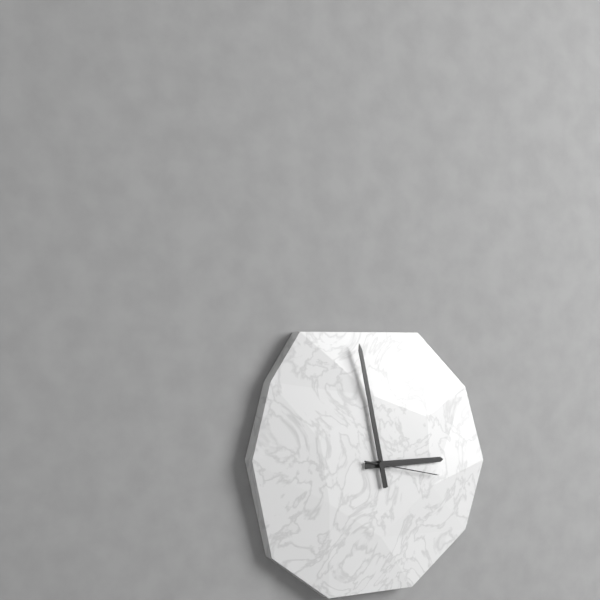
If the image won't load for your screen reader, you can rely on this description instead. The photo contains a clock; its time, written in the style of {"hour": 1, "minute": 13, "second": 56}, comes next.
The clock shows {"hour": 2, "minute": 58, "second": 17}
